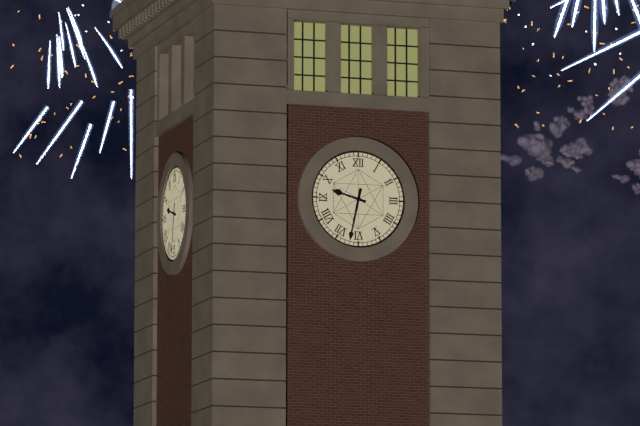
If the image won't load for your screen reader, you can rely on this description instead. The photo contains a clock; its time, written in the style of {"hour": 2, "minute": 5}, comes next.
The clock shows {"hour": 9, "minute": 32}
